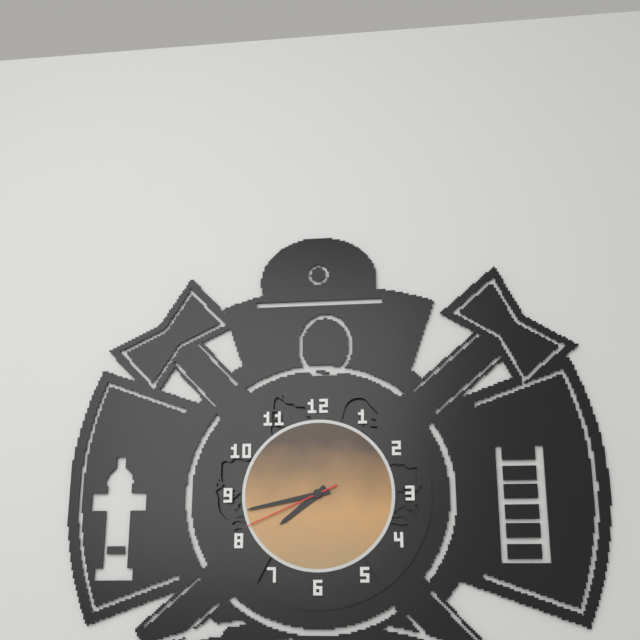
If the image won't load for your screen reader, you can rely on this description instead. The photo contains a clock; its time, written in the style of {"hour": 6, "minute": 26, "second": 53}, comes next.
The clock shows {"hour": 7, "minute": 43, "second": 41}
